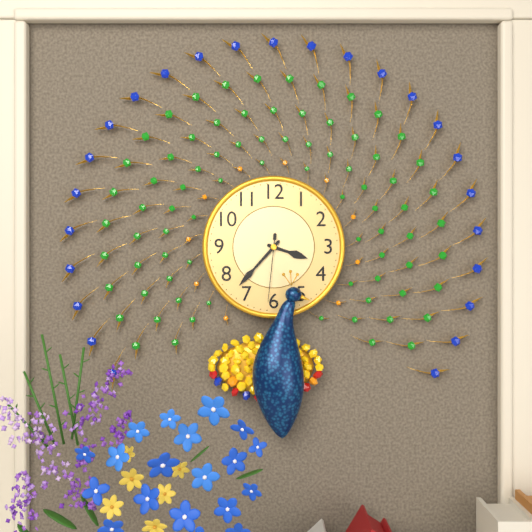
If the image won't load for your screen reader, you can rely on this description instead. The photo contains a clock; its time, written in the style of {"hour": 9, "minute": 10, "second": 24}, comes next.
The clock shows {"hour": 3, "minute": 37, "second": 31}
